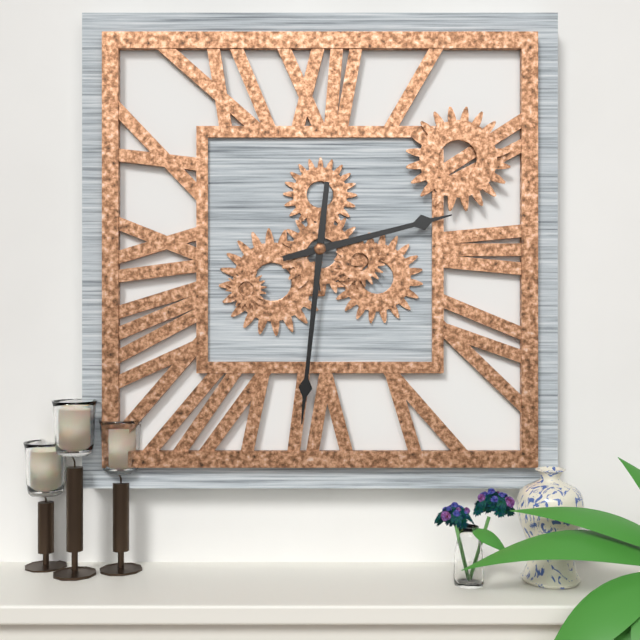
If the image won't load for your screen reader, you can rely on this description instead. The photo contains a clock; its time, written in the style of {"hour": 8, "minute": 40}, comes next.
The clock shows {"hour": 2, "minute": 31}
